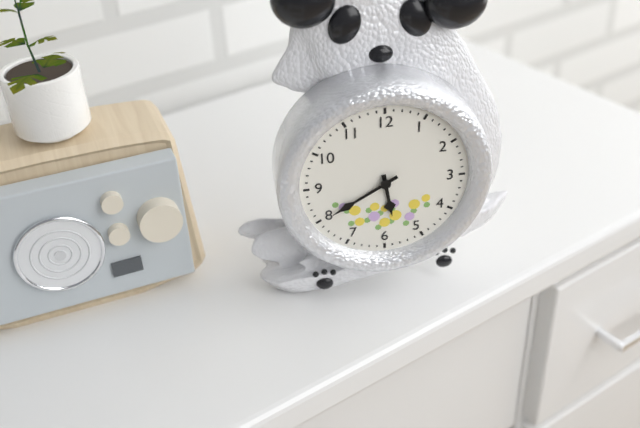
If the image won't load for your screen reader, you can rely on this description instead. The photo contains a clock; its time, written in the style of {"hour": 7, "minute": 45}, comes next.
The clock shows {"hour": 5, "minute": 40}
